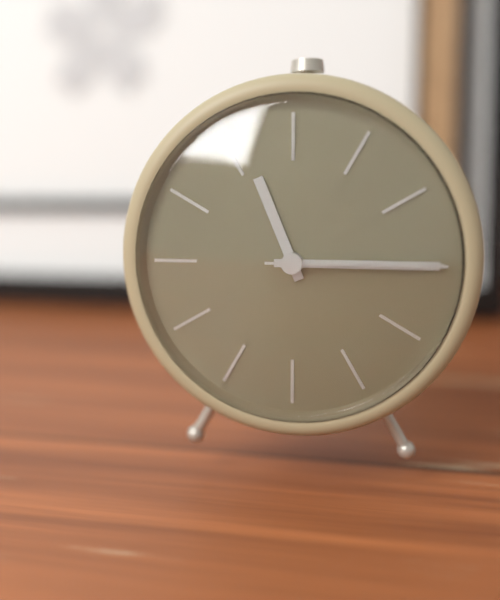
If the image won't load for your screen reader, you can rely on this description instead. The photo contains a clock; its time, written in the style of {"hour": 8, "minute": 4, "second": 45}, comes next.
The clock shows {"hour": 11, "minute": 15, "second": 15}
